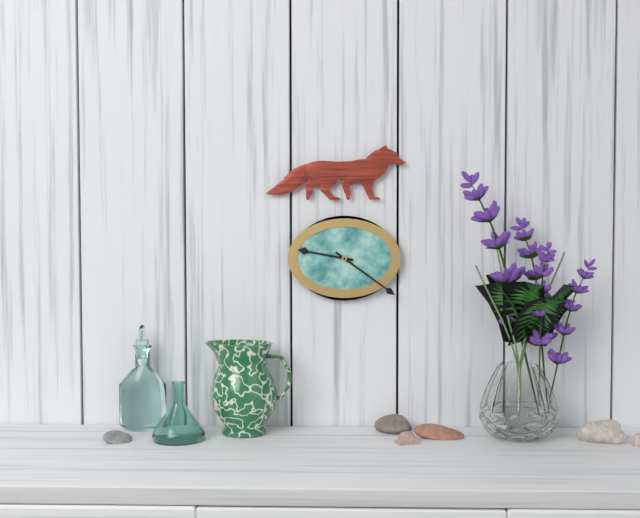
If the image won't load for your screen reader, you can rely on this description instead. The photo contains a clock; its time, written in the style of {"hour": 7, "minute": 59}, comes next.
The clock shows {"hour": 9, "minute": 21}
